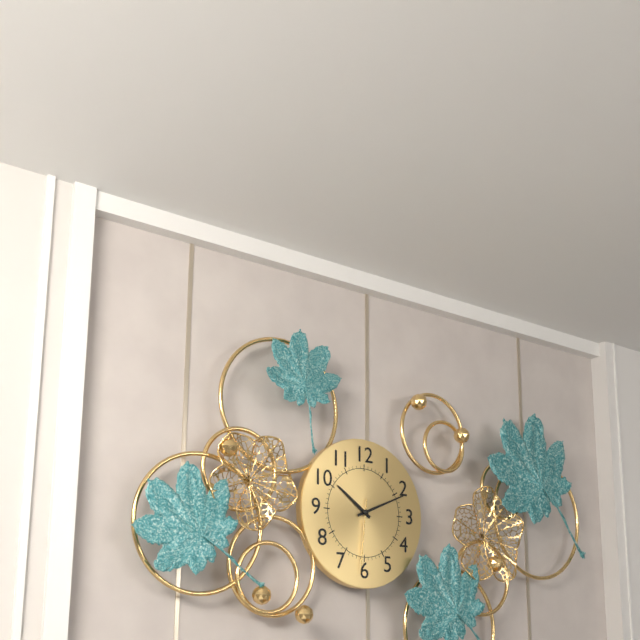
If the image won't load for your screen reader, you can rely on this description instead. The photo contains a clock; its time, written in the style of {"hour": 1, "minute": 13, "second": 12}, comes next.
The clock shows {"hour": 10, "minute": 11, "second": 31}
